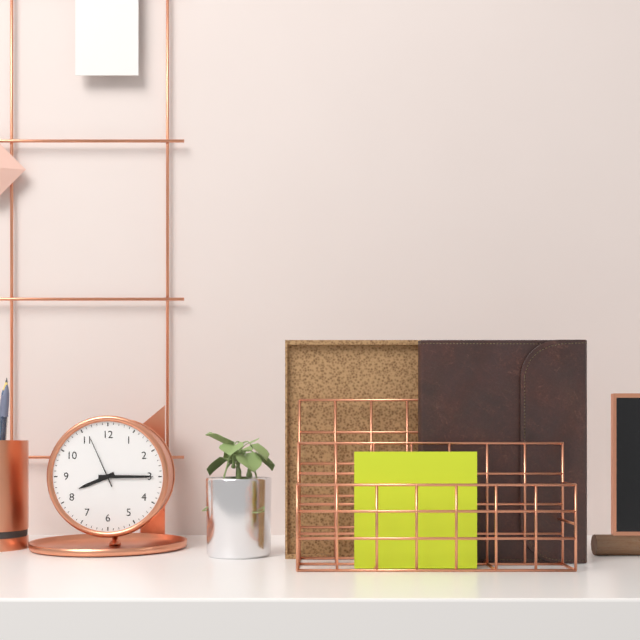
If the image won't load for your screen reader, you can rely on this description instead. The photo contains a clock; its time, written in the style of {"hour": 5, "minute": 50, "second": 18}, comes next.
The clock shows {"hour": 8, "minute": 15, "second": 56}
